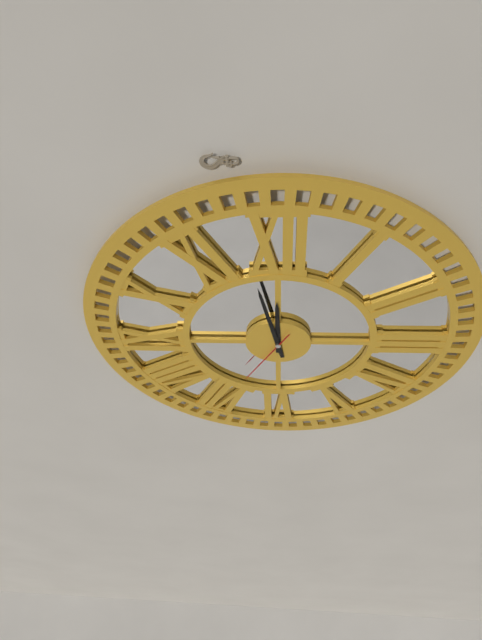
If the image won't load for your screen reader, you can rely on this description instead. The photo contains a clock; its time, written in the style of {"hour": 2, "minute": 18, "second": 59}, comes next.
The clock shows {"hour": 11, "minute": 58, "second": 35}
